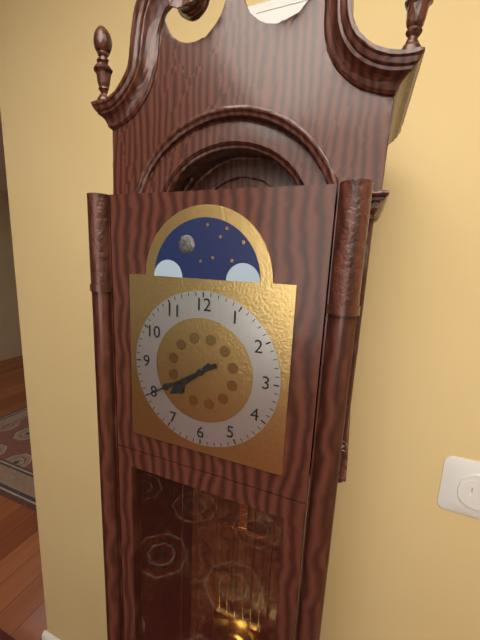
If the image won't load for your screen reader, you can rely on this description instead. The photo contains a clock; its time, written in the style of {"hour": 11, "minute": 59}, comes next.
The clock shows {"hour": 7, "minute": 40}
